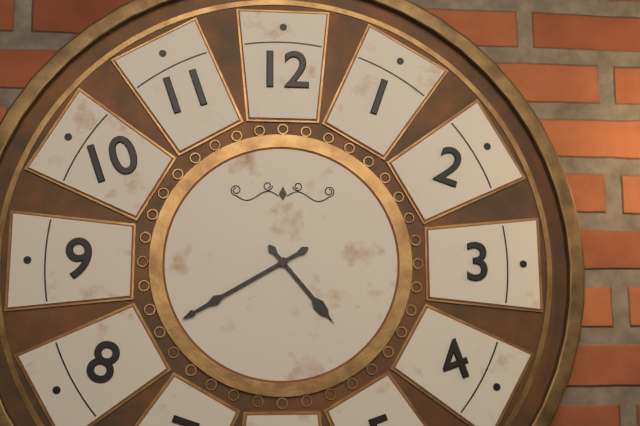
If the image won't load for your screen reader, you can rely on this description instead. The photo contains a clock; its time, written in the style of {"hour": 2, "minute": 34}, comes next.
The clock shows {"hour": 4, "minute": 40}
